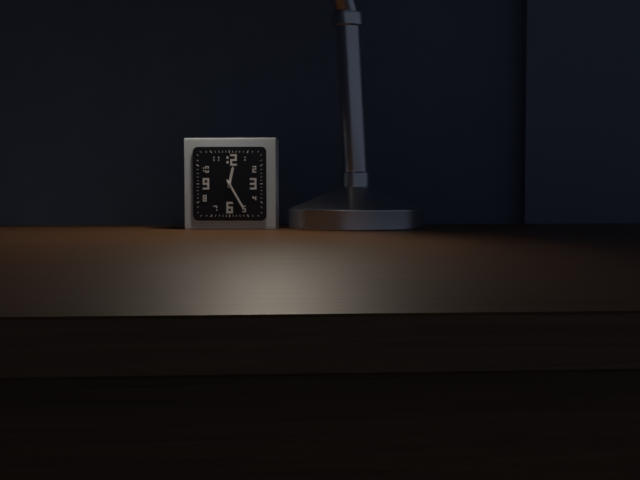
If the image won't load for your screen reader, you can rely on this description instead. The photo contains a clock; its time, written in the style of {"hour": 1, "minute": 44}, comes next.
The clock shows {"hour": 12, "minute": 25}
